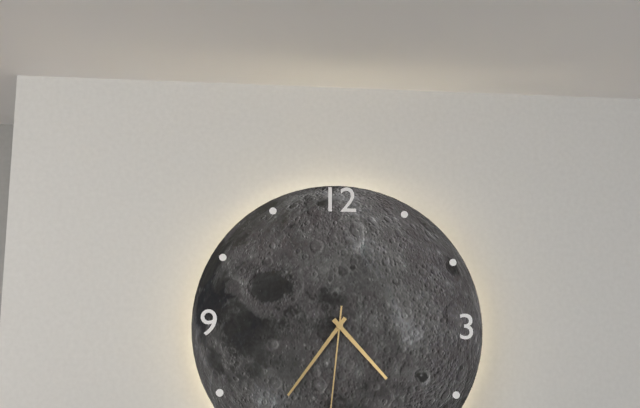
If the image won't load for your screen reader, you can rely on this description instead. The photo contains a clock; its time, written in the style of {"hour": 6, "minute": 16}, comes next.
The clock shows {"hour": 4, "minute": 36}
